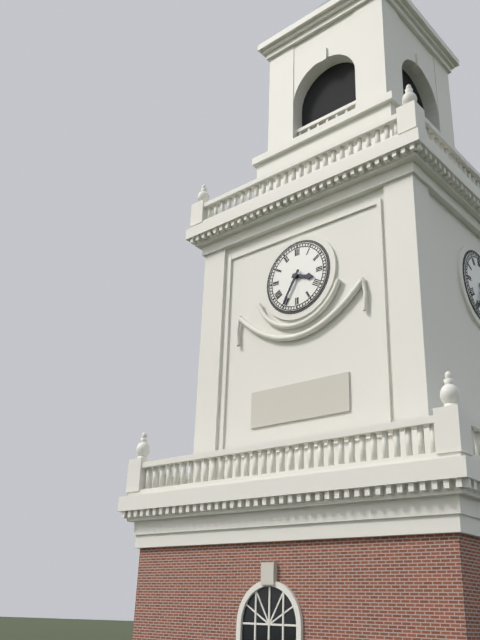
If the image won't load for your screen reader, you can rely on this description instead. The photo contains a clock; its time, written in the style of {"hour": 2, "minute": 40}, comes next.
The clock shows {"hour": 3, "minute": 35}
